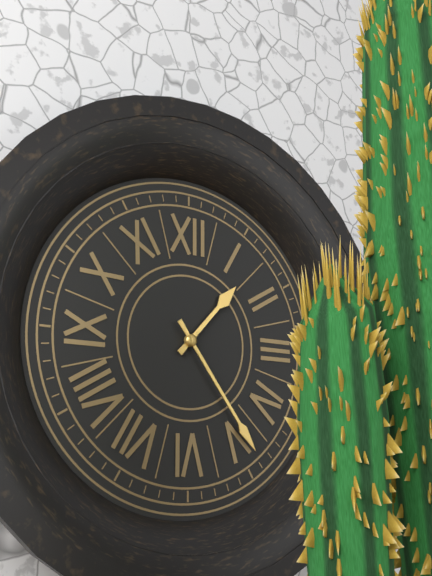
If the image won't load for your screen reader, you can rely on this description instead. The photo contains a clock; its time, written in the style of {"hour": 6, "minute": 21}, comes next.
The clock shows {"hour": 1, "minute": 24}
